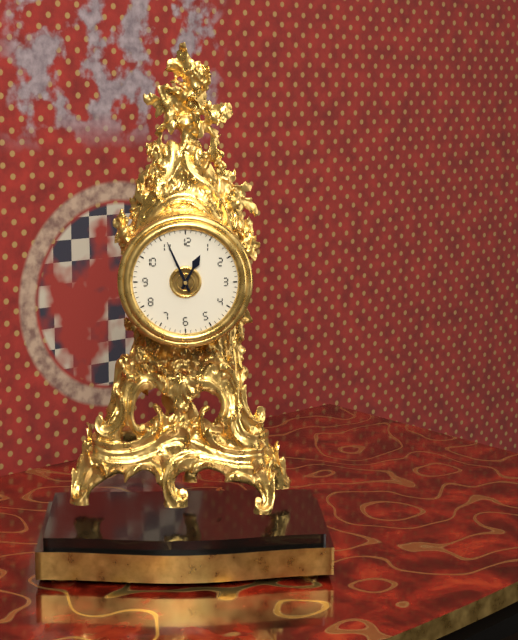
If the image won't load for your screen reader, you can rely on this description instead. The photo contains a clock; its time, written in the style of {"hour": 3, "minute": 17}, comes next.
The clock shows {"hour": 12, "minute": 56}
